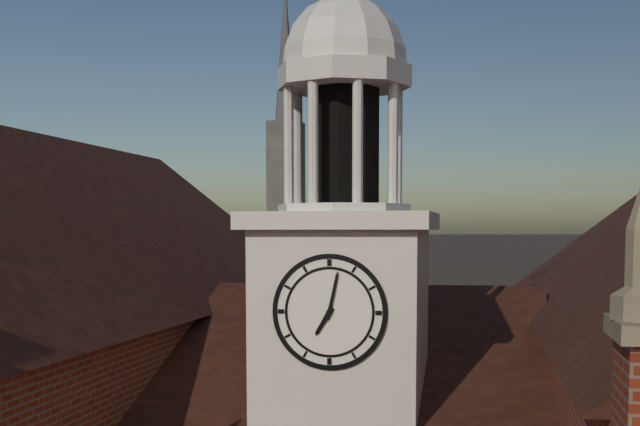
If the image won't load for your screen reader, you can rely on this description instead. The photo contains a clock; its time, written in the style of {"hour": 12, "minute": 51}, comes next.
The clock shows {"hour": 7, "minute": 2}
